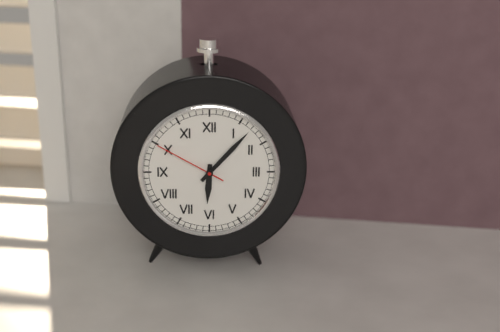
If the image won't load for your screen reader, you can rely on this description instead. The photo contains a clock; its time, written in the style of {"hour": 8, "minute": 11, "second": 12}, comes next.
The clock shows {"hour": 6, "minute": 7, "second": 50}
